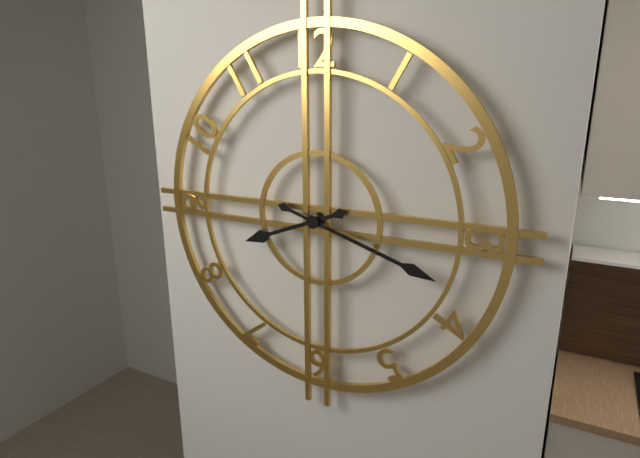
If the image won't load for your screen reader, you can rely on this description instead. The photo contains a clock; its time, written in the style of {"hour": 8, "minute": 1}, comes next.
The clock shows {"hour": 8, "minute": 18}
